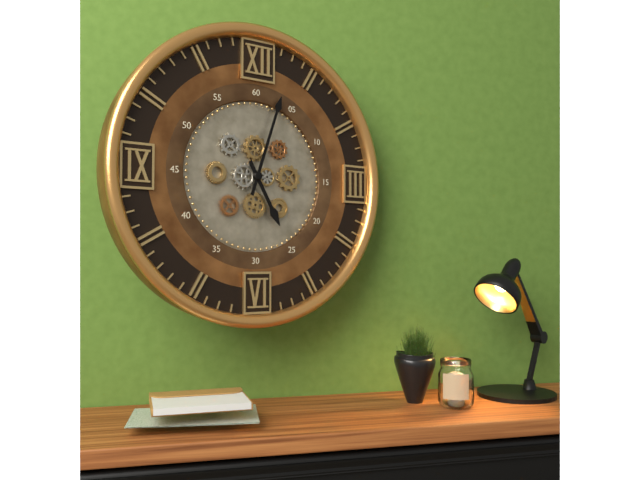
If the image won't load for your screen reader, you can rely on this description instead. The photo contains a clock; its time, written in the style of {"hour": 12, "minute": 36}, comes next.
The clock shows {"hour": 5, "minute": 3}
